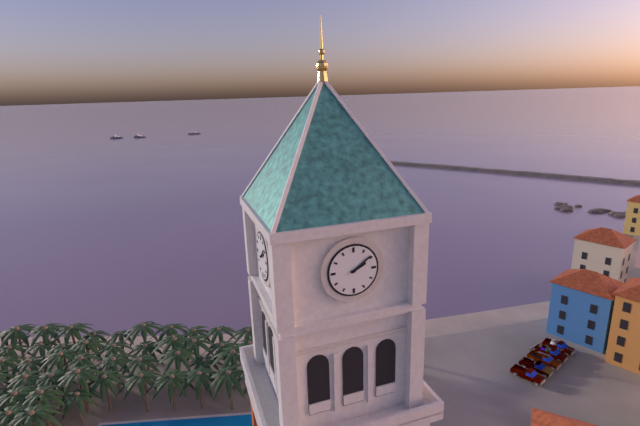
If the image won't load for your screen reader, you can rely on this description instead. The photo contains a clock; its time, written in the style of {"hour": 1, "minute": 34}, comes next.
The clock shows {"hour": 2, "minute": 9}
